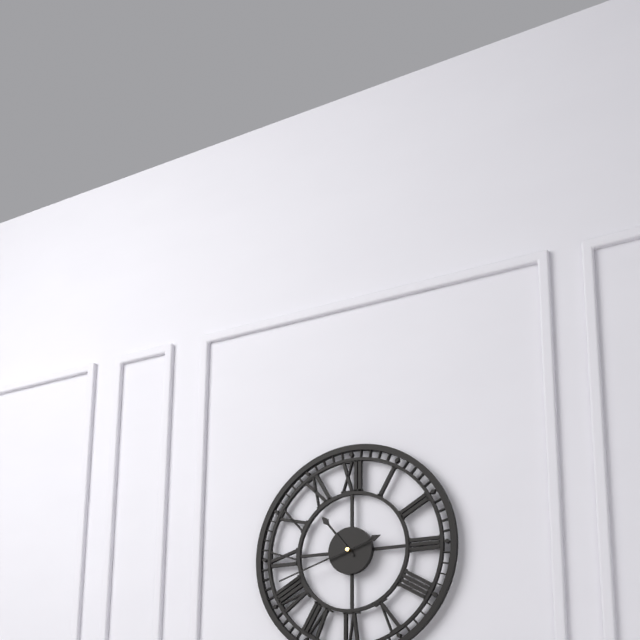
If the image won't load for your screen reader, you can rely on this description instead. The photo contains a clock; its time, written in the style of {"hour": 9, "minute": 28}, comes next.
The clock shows {"hour": 10, "minute": 42}
